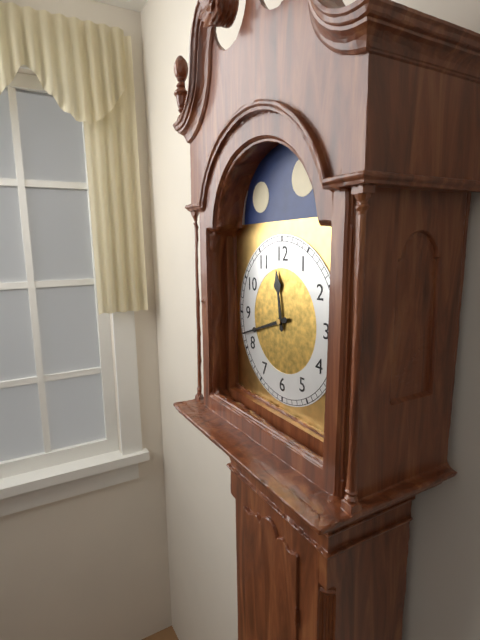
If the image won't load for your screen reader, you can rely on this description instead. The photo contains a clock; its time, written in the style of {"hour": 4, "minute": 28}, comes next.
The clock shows {"hour": 11, "minute": 42}
